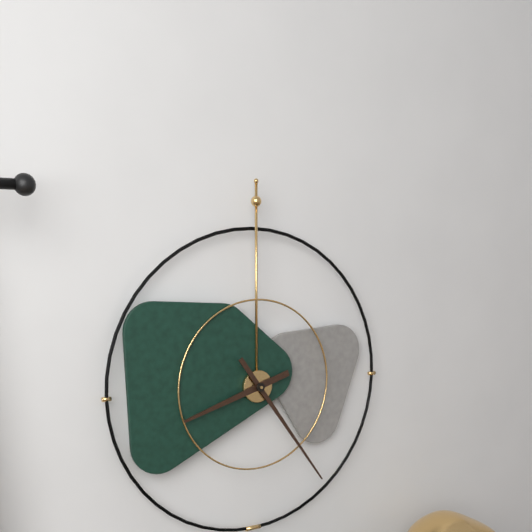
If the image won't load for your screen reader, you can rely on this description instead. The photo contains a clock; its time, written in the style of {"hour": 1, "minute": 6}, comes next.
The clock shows {"hour": 8, "minute": 24}
